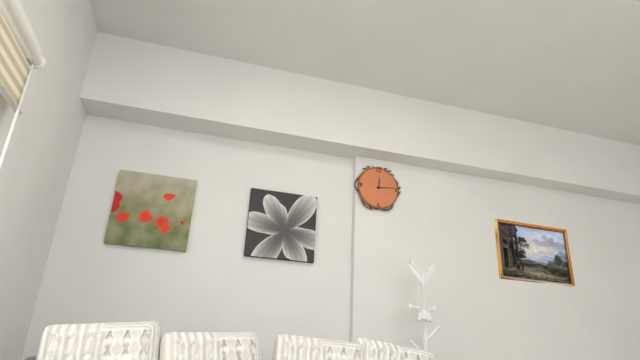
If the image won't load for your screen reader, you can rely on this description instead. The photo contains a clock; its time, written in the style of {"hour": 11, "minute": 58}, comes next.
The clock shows {"hour": 12, "minute": 14}
